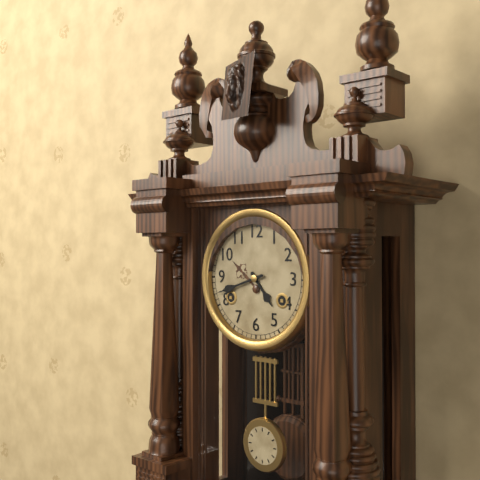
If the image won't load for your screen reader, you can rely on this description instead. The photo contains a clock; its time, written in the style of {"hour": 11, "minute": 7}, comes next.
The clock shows {"hour": 4, "minute": 42}
